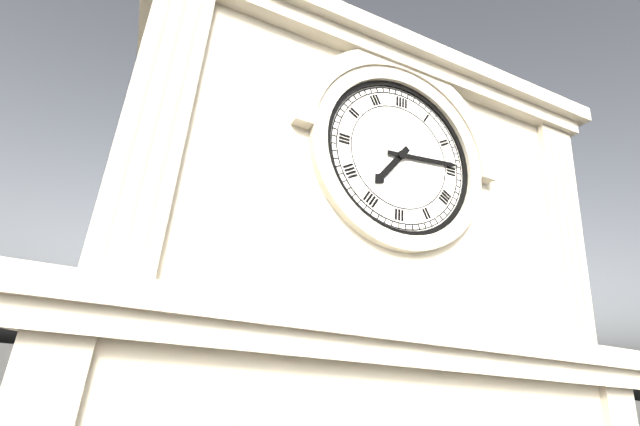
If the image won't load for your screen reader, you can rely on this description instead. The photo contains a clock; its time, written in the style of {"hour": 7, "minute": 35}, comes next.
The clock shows {"hour": 7, "minute": 14}
